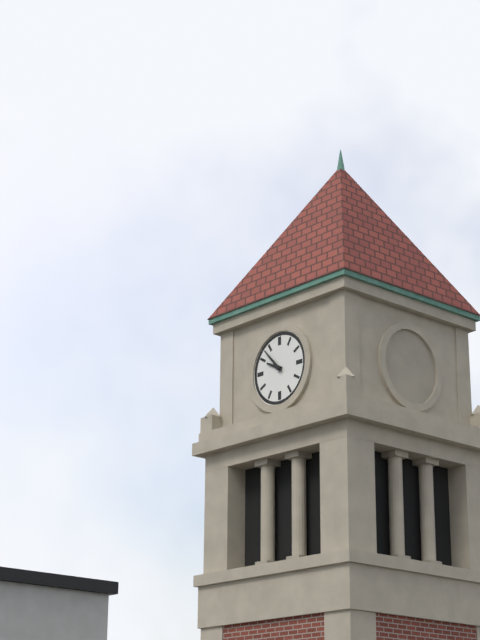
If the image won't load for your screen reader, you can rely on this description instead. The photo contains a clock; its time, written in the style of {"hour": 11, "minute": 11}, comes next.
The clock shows {"hour": 9, "minute": 53}
